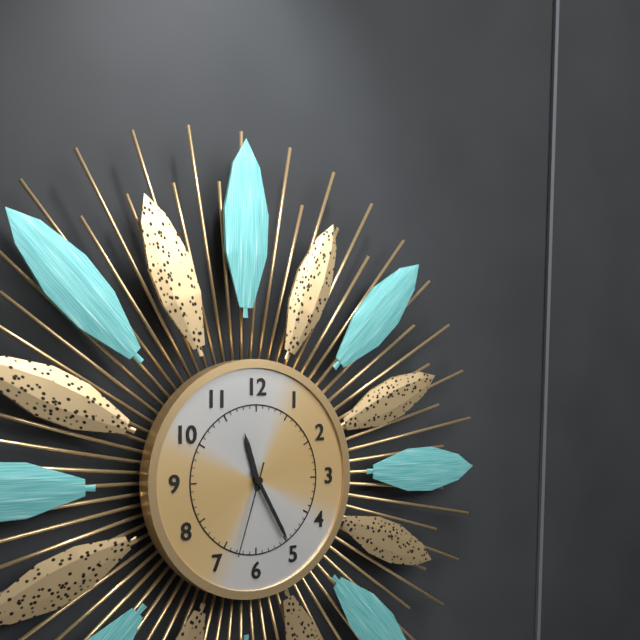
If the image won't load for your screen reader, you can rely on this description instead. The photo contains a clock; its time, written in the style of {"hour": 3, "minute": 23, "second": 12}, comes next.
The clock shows {"hour": 11, "minute": 25, "second": 33}
